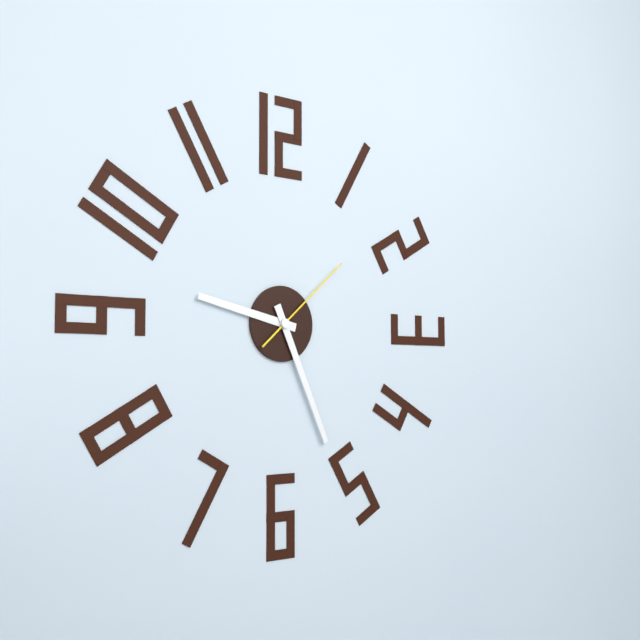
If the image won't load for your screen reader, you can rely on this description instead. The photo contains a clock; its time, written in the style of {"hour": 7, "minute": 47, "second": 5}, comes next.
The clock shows {"hour": 9, "minute": 26, "second": 8}
